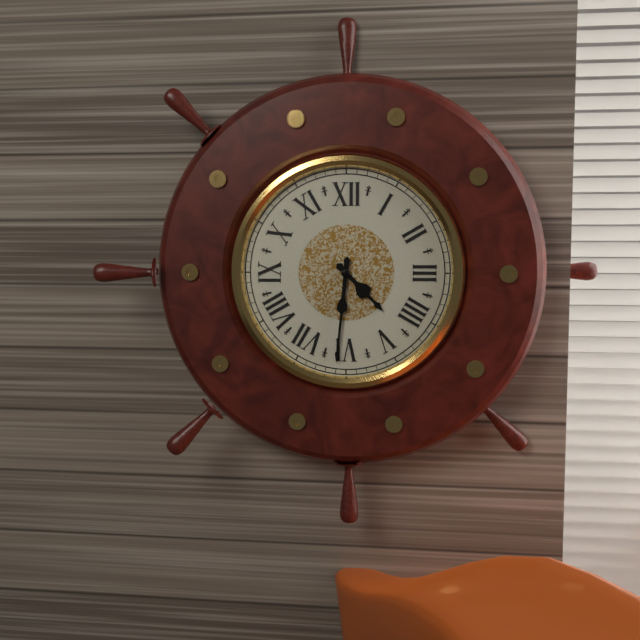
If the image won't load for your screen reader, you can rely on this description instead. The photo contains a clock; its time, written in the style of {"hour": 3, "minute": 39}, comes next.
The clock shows {"hour": 4, "minute": 31}
